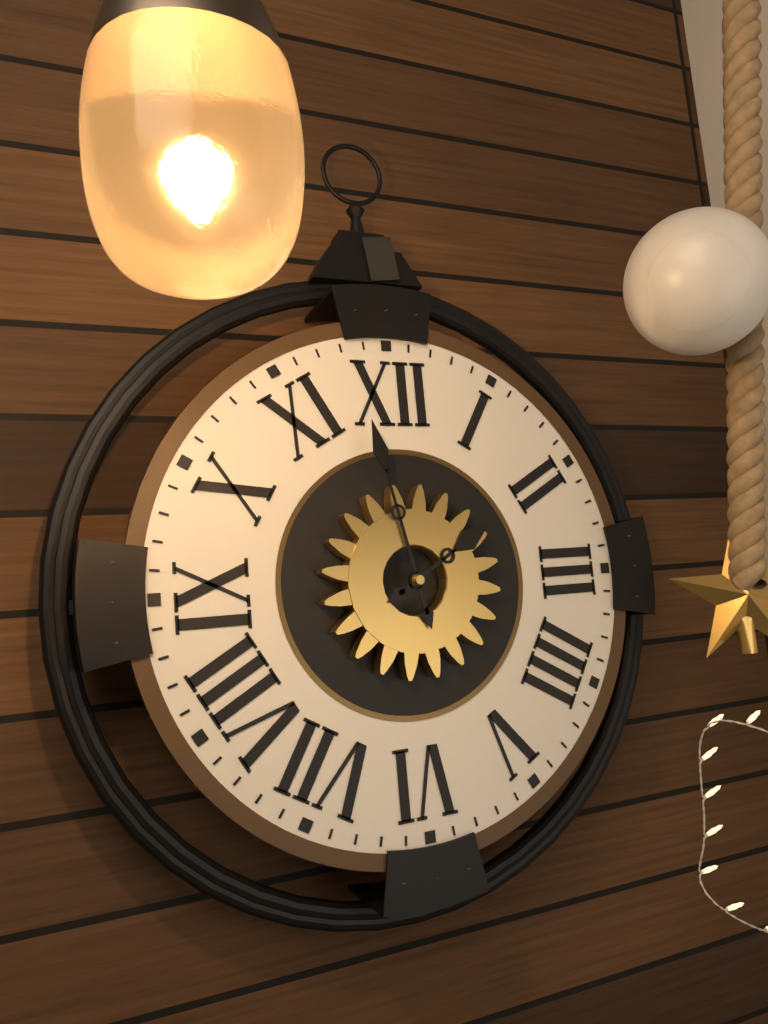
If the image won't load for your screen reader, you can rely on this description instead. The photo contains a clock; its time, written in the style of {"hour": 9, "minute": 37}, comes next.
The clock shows {"hour": 1, "minute": 58}
